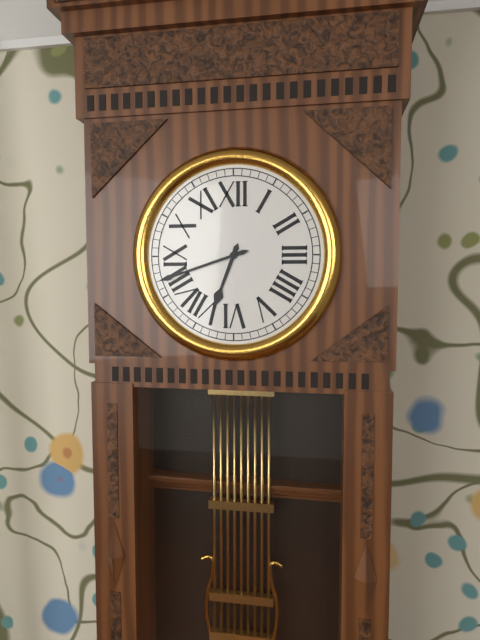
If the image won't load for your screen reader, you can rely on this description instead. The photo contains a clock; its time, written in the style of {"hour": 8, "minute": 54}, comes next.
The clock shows {"hour": 6, "minute": 42}
